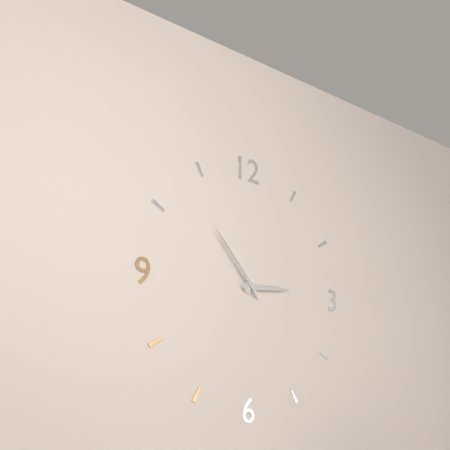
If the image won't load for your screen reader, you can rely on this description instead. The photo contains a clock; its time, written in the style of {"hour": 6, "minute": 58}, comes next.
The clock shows {"hour": 2, "minute": 53}
